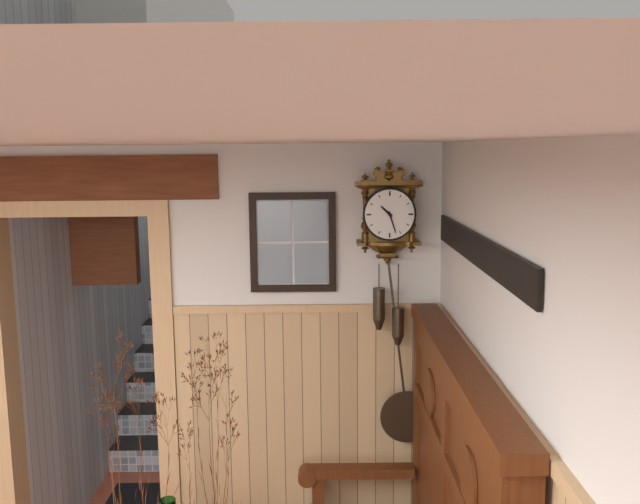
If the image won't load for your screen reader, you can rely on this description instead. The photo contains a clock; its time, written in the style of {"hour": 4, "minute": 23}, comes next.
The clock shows {"hour": 10, "minute": 27}
